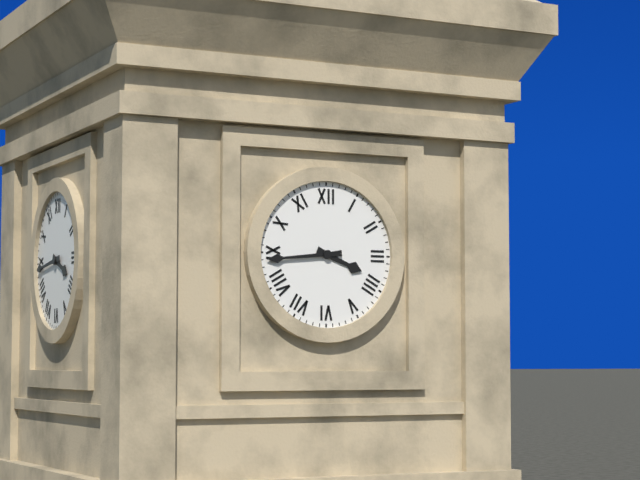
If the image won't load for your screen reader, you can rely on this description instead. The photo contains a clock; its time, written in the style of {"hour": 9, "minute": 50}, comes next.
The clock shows {"hour": 3, "minute": 44}
